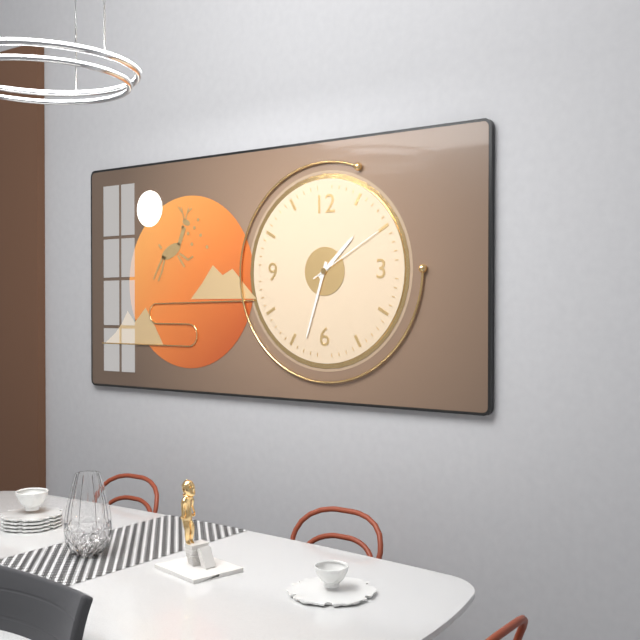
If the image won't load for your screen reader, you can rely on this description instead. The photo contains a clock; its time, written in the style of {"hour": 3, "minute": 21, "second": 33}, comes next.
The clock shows {"hour": 1, "minute": 33, "second": 10}
